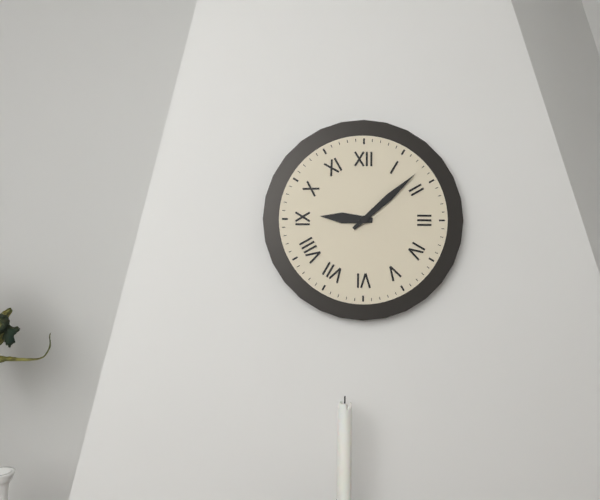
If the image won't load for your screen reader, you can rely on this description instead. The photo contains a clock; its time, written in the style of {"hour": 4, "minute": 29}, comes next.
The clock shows {"hour": 9, "minute": 8}
